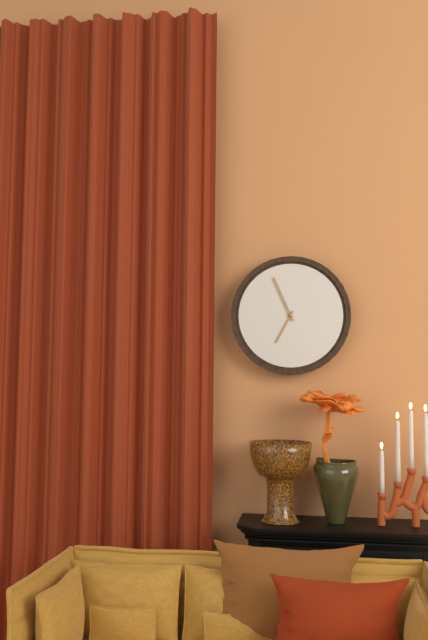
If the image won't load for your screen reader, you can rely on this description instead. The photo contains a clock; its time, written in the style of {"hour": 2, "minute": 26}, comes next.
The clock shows {"hour": 6, "minute": 56}
